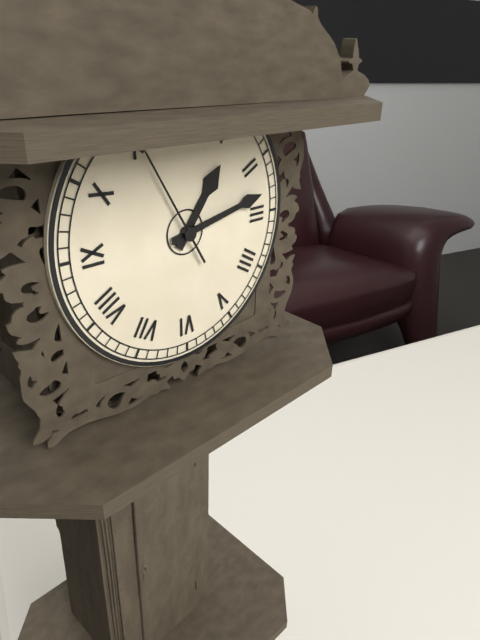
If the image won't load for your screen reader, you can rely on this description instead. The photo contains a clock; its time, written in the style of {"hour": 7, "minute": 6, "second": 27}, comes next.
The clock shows {"hour": 1, "minute": 13, "second": 55}
